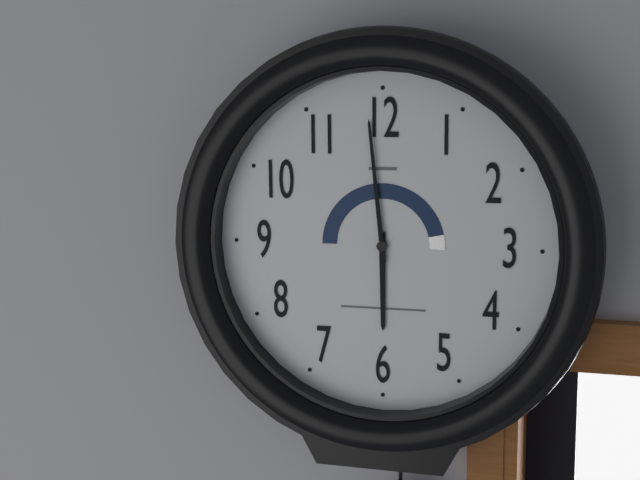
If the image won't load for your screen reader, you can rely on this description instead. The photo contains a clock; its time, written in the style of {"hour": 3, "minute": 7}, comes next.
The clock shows {"hour": 5, "minute": 59}
